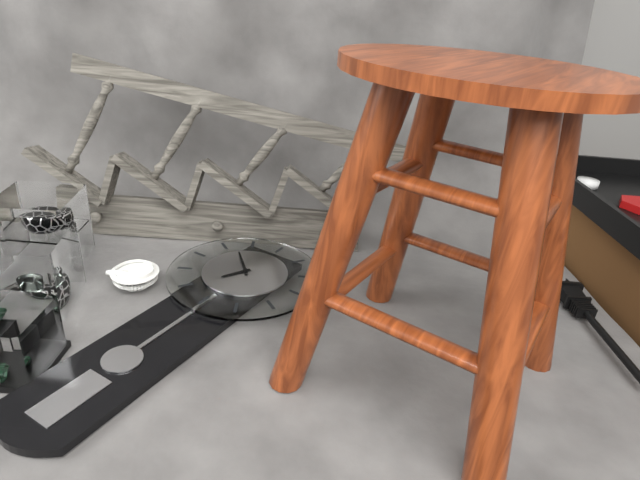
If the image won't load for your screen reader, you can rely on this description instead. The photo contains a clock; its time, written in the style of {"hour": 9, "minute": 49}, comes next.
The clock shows {"hour": 6, "minute": 52}
